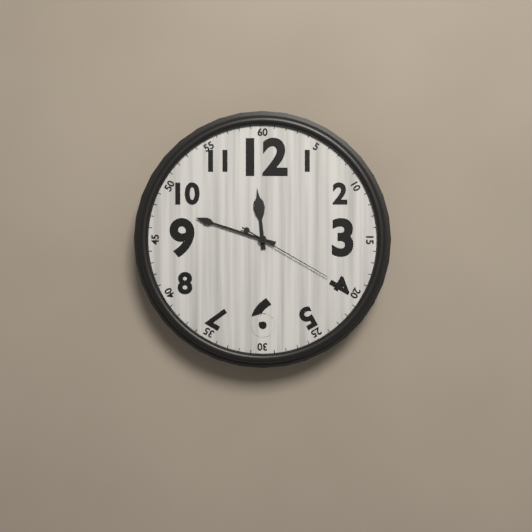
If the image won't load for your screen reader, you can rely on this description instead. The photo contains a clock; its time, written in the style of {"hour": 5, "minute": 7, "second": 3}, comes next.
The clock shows {"hour": 11, "minute": 48, "second": 20}
